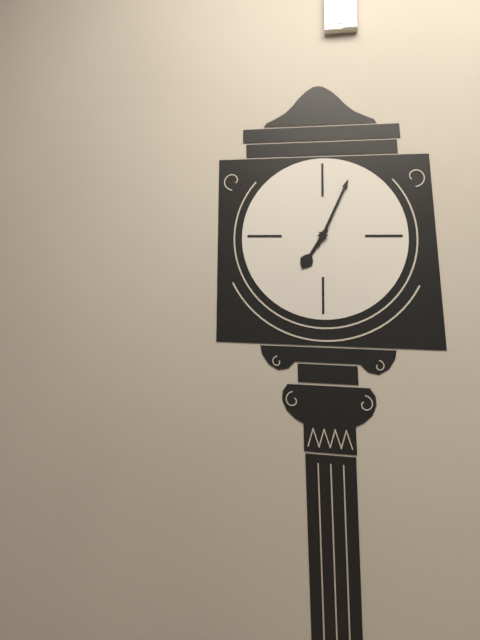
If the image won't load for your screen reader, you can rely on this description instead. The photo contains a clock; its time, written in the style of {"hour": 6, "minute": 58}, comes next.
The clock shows {"hour": 7, "minute": 4}
